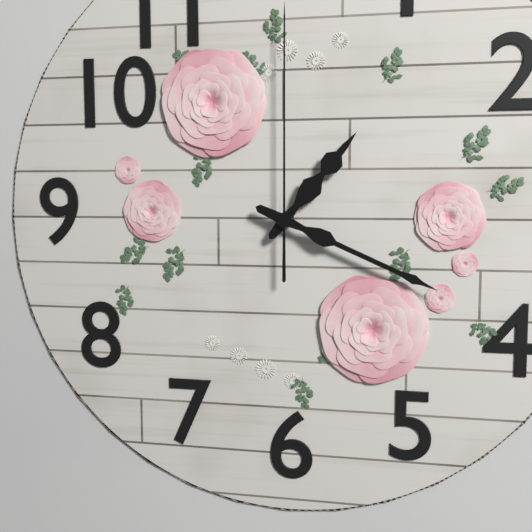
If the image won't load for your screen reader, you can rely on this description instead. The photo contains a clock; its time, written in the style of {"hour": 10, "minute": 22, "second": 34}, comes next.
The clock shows {"hour": 1, "minute": 19, "second": 0}
